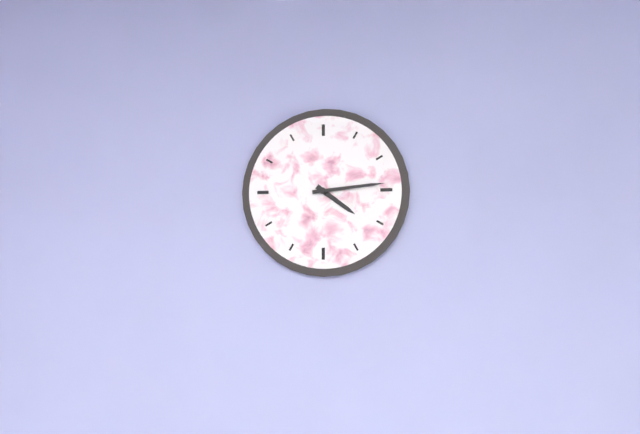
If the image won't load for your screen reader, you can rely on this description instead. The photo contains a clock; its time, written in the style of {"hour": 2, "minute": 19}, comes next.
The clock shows {"hour": 4, "minute": 14}
